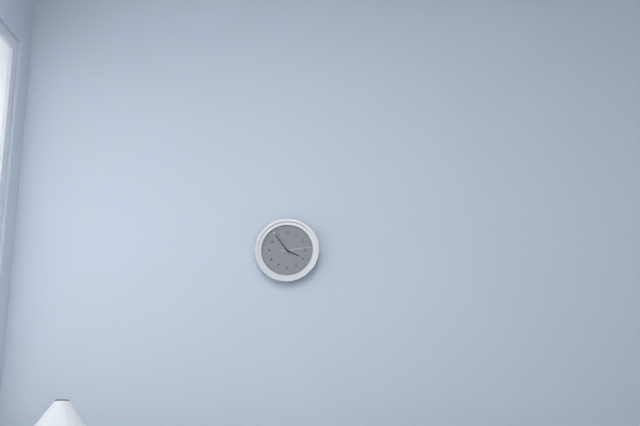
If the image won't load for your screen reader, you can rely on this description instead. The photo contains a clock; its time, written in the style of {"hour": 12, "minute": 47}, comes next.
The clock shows {"hour": 3, "minute": 54}
